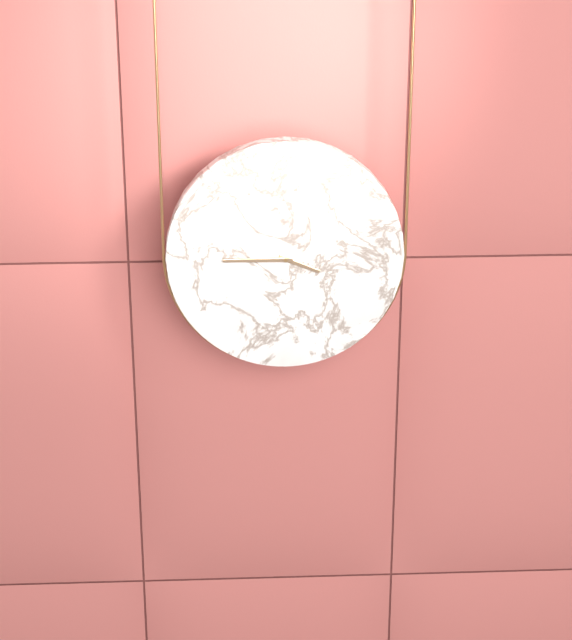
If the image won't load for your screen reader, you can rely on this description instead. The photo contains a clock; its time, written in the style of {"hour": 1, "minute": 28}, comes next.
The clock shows {"hour": 3, "minute": 45}
